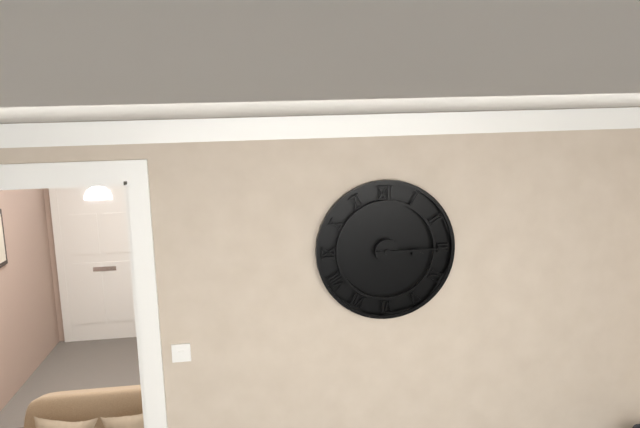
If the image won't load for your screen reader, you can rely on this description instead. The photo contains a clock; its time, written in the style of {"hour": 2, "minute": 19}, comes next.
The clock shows {"hour": 3, "minute": 15}
